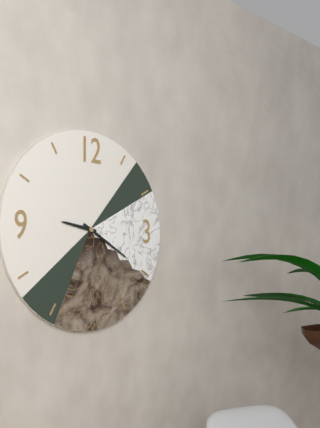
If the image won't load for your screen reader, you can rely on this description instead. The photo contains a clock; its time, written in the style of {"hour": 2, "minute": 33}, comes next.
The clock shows {"hour": 9, "minute": 20}
